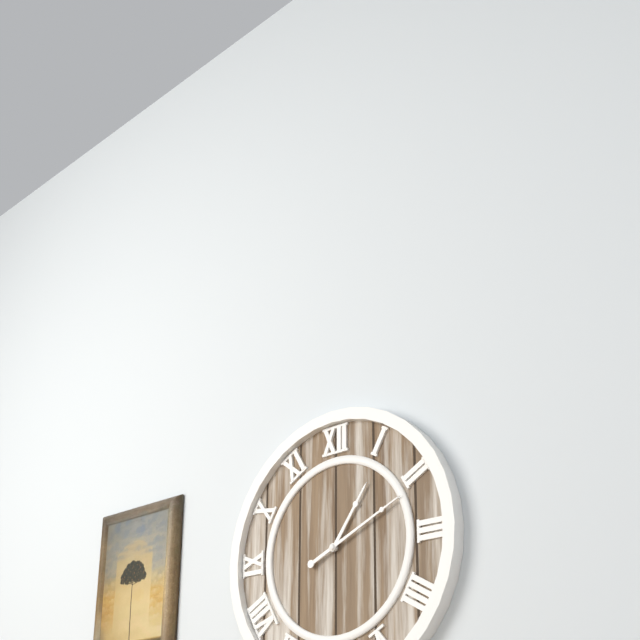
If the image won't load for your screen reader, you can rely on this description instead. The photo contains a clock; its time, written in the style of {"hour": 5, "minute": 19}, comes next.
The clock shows {"hour": 1, "minute": 11}
